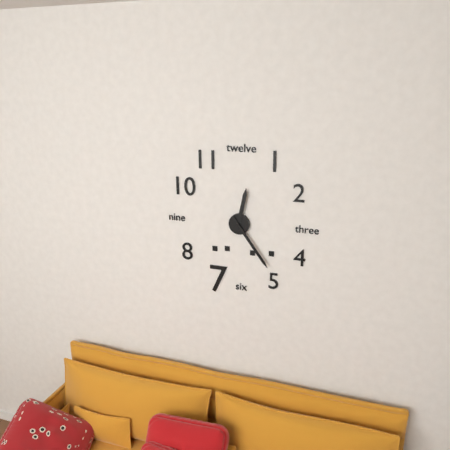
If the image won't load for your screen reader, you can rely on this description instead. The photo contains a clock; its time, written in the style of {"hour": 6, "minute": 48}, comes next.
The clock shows {"hour": 12, "minute": 24}
